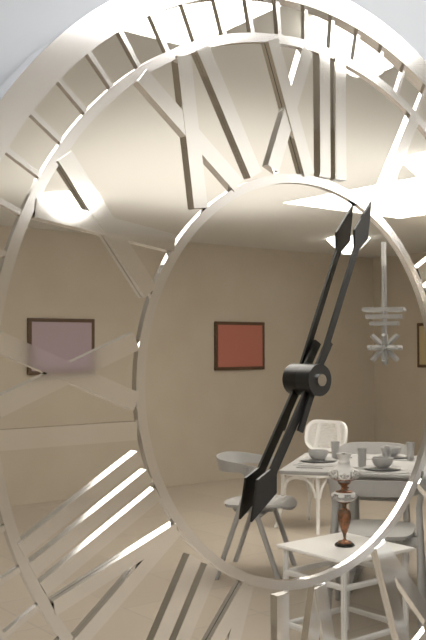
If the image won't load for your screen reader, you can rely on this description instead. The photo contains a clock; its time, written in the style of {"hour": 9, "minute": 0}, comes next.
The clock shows {"hour": 7, "minute": 4}
